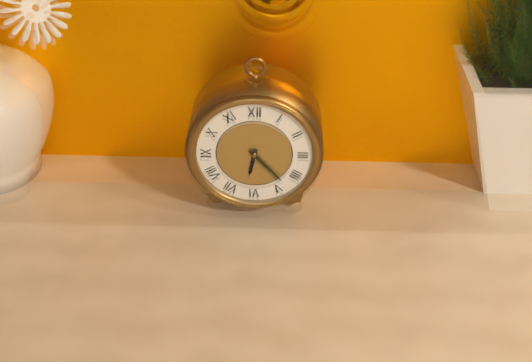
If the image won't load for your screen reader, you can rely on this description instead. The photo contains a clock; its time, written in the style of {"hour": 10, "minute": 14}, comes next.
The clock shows {"hour": 6, "minute": 23}
